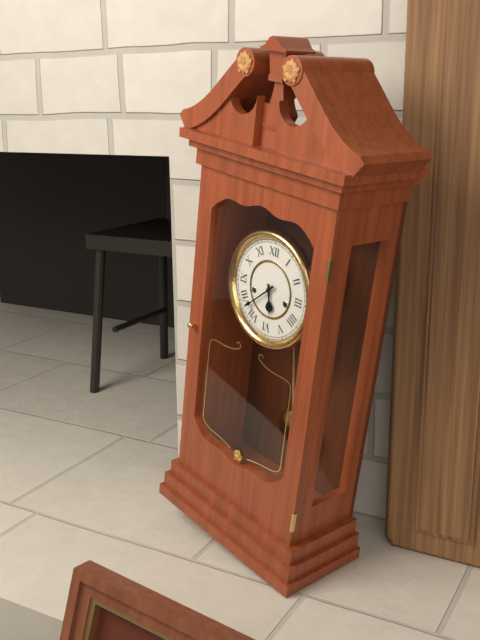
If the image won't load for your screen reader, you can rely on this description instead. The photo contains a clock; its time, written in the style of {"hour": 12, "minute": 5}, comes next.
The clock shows {"hour": 5, "minute": 38}
